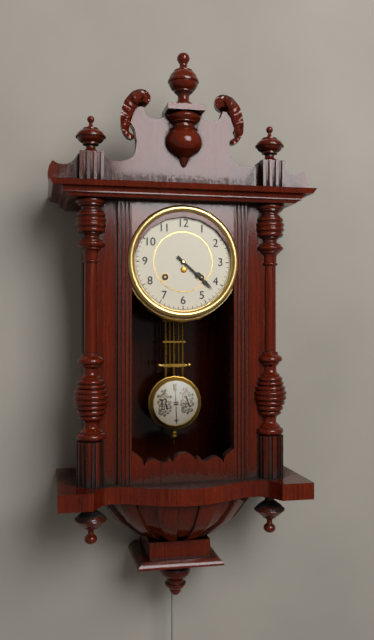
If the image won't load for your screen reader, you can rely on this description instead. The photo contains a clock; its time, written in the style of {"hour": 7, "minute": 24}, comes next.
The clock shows {"hour": 4, "minute": 22}
